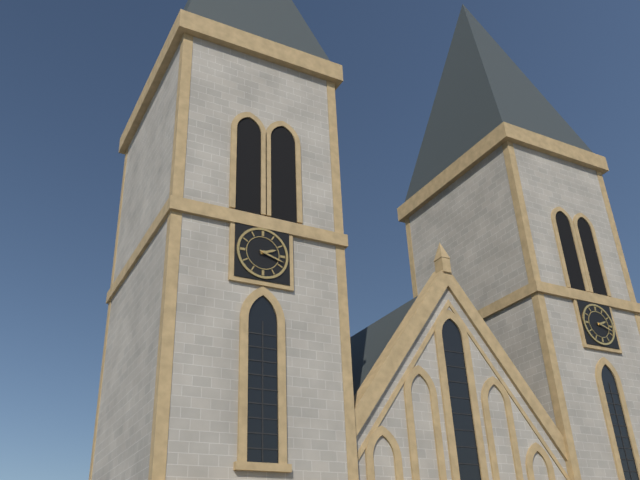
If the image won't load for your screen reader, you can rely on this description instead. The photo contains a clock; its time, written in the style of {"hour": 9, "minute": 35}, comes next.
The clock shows {"hour": 2, "minute": 18}
